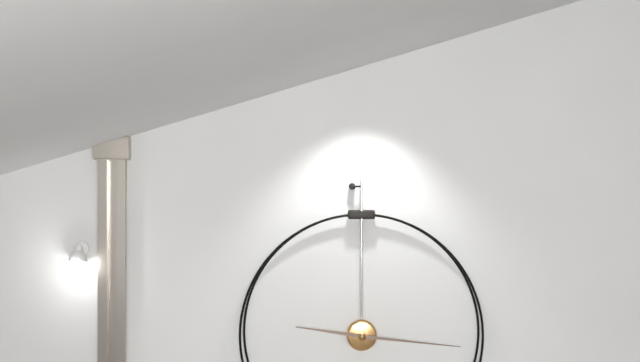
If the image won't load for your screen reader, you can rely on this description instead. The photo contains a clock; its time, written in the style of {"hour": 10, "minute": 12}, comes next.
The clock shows {"hour": 9, "minute": 16}
